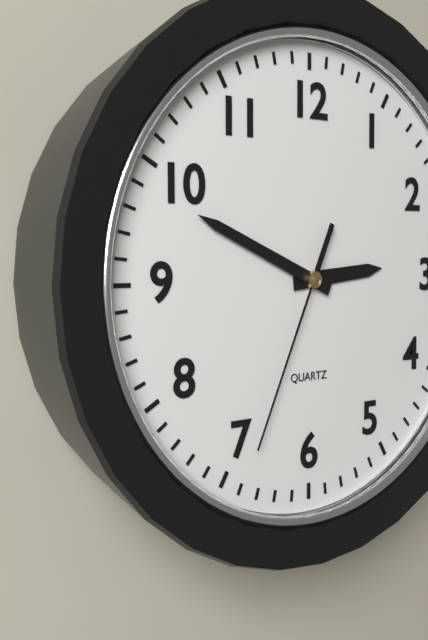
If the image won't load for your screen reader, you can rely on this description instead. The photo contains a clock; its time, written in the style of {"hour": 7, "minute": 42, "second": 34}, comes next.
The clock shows {"hour": 2, "minute": 49, "second": 34}
